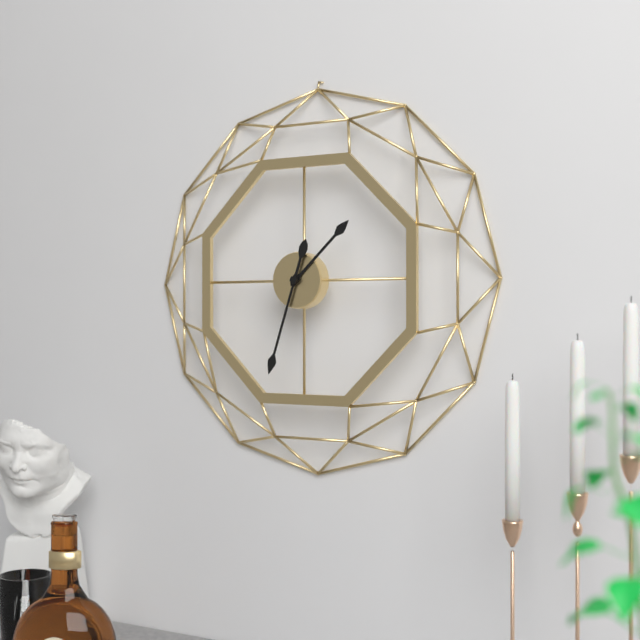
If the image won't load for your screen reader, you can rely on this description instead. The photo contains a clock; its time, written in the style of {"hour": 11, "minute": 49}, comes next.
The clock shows {"hour": 1, "minute": 33}
